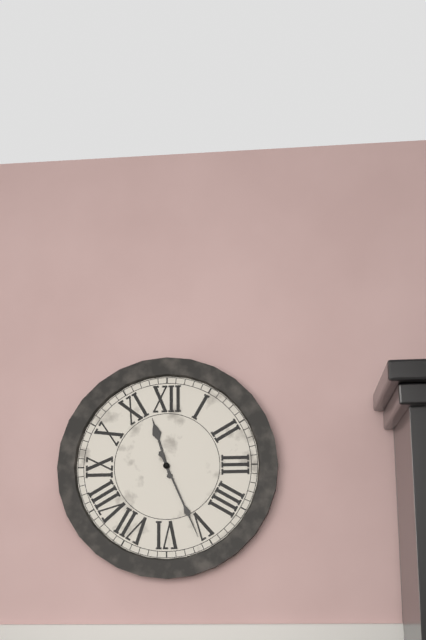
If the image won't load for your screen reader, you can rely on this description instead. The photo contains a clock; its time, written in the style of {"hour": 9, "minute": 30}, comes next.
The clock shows {"hour": 11, "minute": 26}
